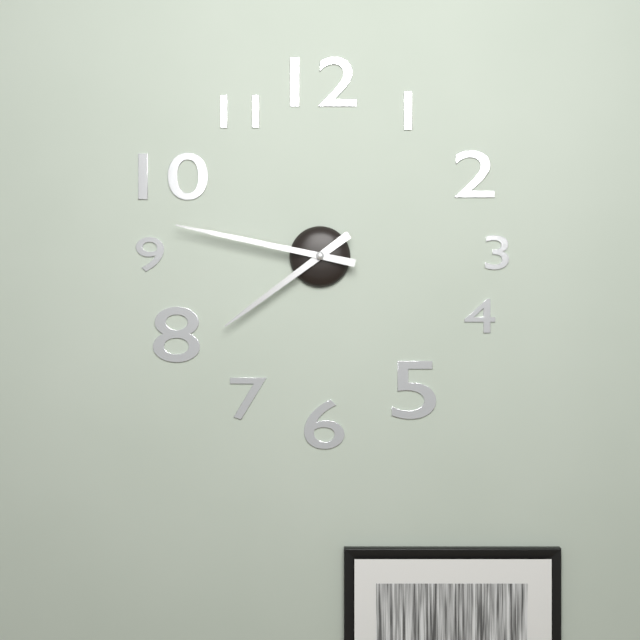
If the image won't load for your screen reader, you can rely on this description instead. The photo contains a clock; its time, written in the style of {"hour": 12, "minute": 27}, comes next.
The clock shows {"hour": 7, "minute": 47}
